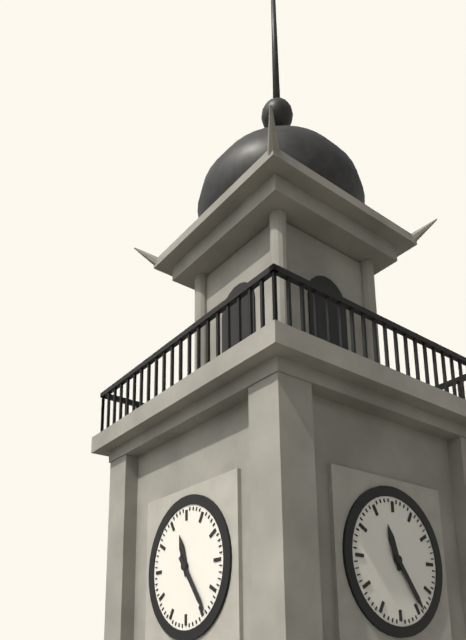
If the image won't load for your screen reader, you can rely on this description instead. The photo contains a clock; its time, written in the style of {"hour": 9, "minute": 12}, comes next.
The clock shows {"hour": 11, "minute": 24}
